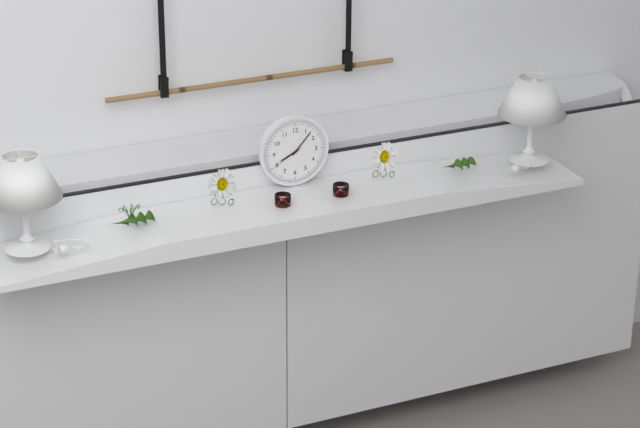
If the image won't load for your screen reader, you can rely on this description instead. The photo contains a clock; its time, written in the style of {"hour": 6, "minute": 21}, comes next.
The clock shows {"hour": 8, "minute": 7}
